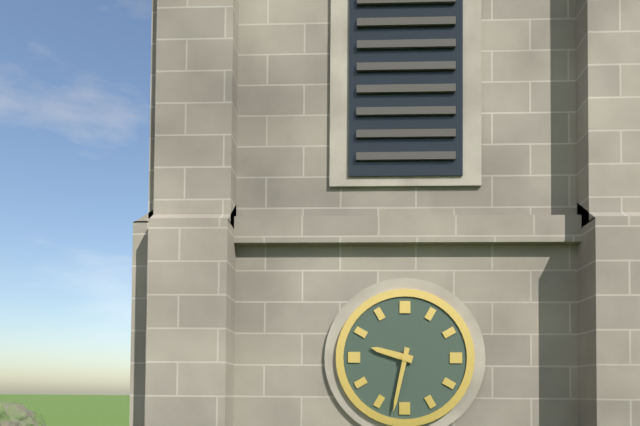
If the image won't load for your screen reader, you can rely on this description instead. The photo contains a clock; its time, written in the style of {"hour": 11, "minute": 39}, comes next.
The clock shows {"hour": 9, "minute": 32}
